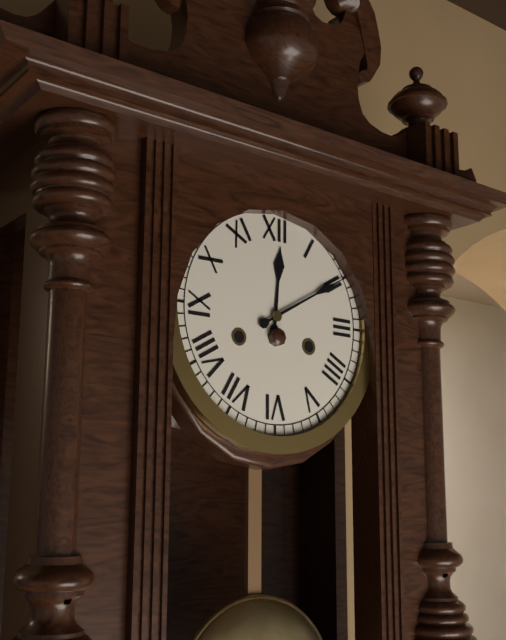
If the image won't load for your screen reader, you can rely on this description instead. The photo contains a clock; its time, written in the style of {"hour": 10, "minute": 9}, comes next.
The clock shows {"hour": 12, "minute": 10}
